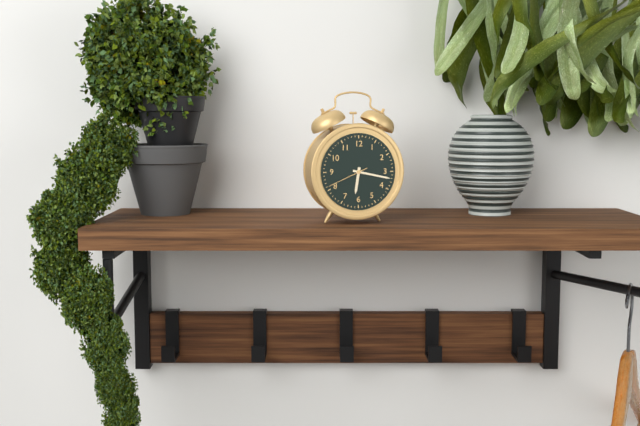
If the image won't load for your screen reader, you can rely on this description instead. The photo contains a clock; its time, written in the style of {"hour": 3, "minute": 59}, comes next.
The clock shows {"hour": 6, "minute": 17}
